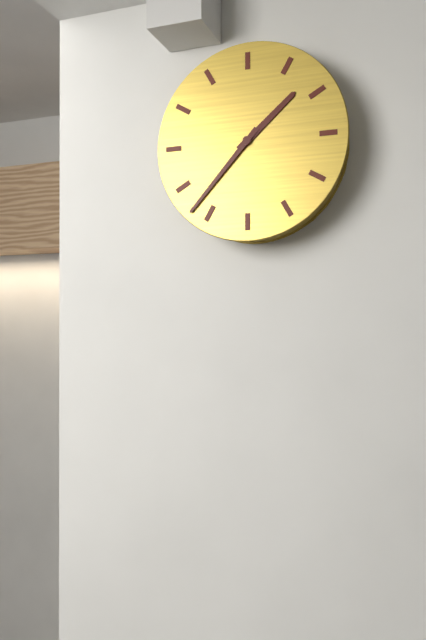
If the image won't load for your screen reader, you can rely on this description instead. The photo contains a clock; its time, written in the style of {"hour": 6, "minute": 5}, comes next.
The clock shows {"hour": 1, "minute": 37}
